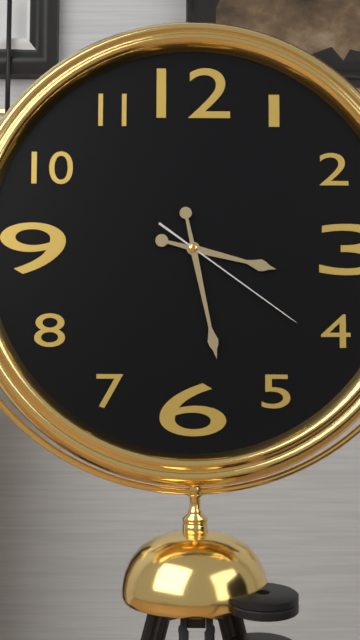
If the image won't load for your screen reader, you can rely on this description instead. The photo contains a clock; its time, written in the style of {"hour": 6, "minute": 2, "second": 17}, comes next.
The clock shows {"hour": 3, "minute": 28, "second": 21}
